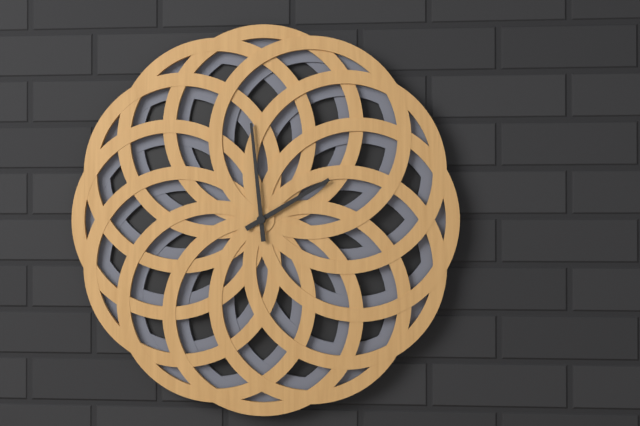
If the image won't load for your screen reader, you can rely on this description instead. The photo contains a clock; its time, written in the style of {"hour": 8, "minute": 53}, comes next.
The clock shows {"hour": 1, "minute": 59}
